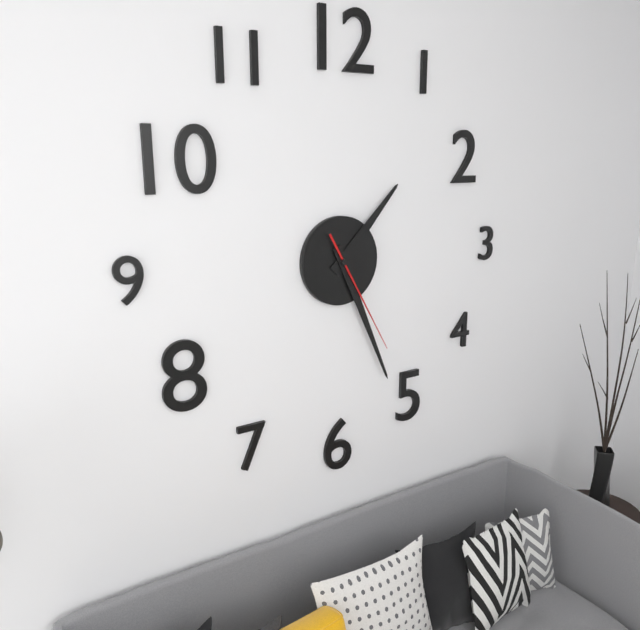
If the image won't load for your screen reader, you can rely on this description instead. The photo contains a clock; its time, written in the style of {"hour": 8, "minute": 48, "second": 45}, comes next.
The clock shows {"hour": 1, "minute": 26, "second": 25}
